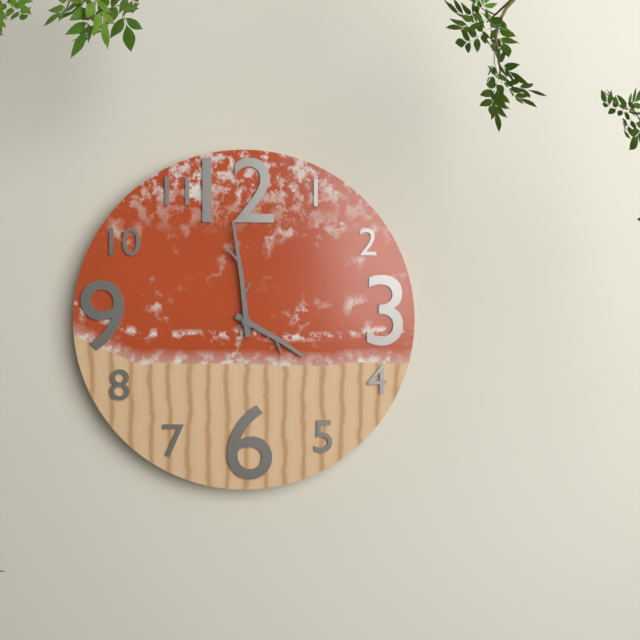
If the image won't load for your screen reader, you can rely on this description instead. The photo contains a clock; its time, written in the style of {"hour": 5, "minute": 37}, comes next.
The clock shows {"hour": 3, "minute": 59}
